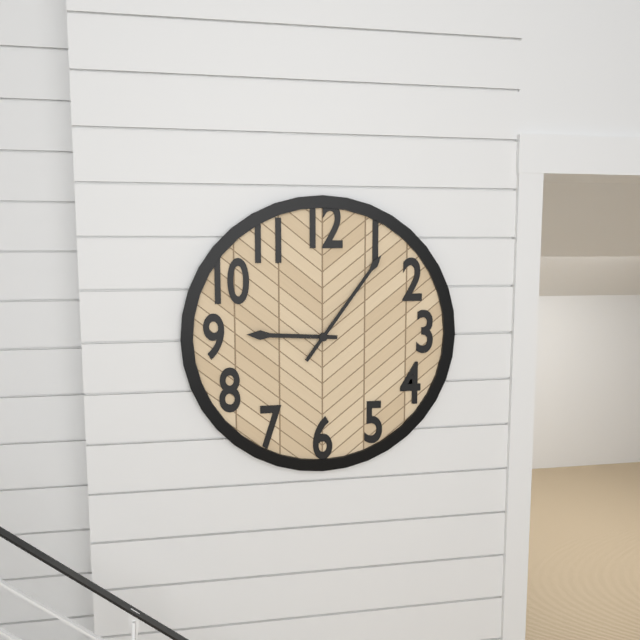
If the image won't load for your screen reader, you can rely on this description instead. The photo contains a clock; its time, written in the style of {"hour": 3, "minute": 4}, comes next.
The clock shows {"hour": 9, "minute": 6}
